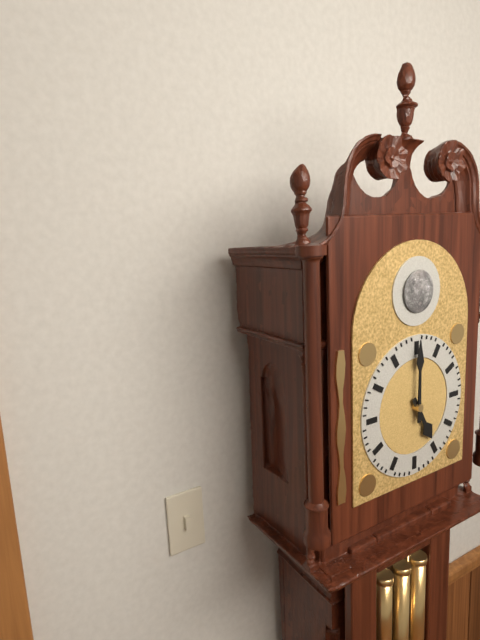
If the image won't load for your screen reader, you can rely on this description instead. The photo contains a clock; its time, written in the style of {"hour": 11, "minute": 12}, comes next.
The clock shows {"hour": 5, "minute": 0}
